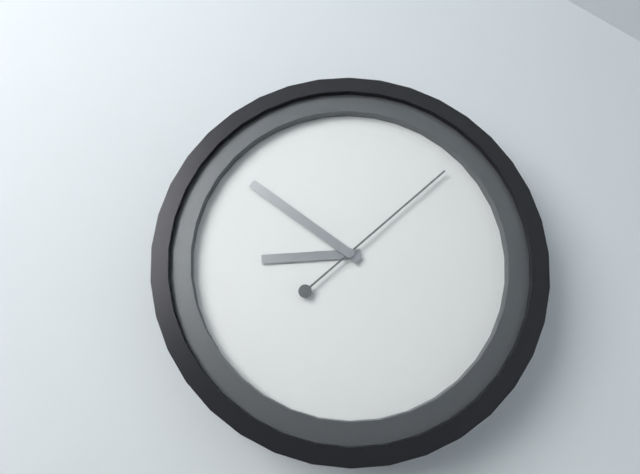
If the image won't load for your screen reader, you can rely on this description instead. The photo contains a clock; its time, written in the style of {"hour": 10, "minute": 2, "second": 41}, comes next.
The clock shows {"hour": 8, "minute": 51, "second": 8}
